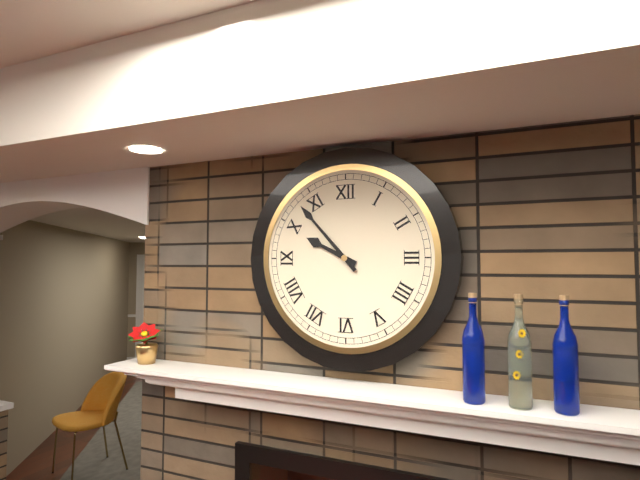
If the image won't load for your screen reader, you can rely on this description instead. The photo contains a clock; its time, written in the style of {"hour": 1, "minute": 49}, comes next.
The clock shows {"hour": 9, "minute": 53}
